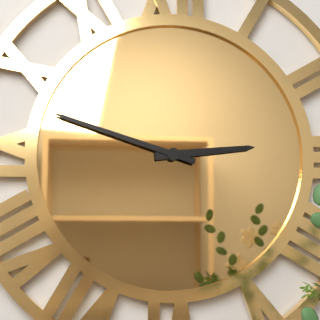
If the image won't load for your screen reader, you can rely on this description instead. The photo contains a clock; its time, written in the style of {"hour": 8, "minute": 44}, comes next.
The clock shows {"hour": 2, "minute": 48}
